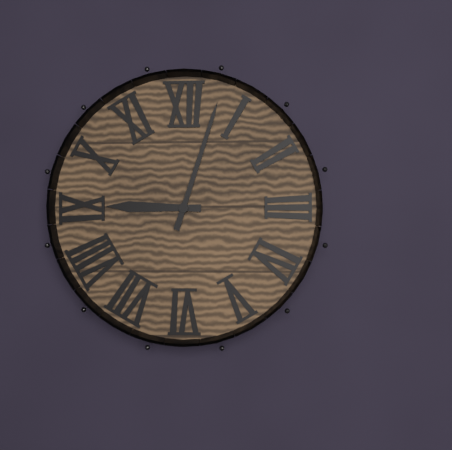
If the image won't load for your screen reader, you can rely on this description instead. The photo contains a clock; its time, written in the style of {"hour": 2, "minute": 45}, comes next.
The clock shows {"hour": 9, "minute": 3}
